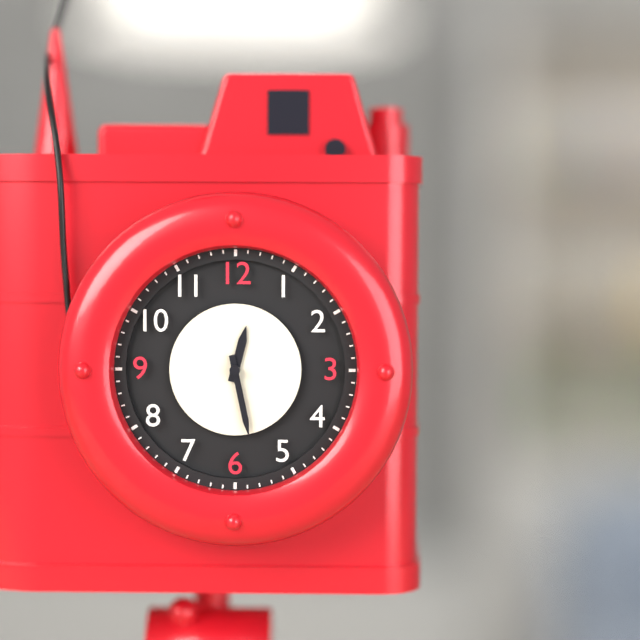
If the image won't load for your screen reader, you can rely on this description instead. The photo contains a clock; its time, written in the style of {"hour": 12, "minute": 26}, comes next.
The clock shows {"hour": 12, "minute": 28}
